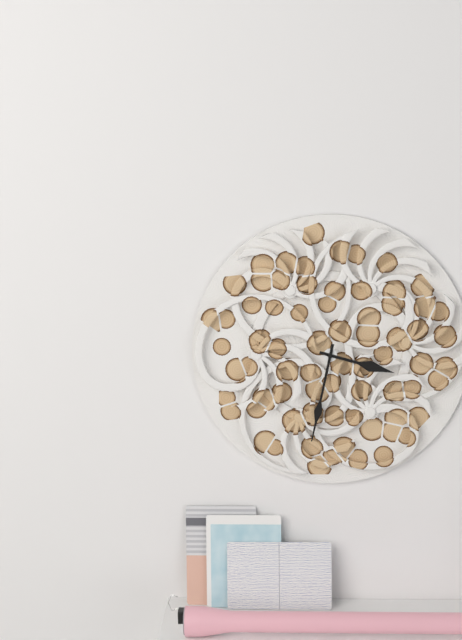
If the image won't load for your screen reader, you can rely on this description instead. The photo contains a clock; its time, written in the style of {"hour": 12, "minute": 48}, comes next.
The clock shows {"hour": 3, "minute": 32}
